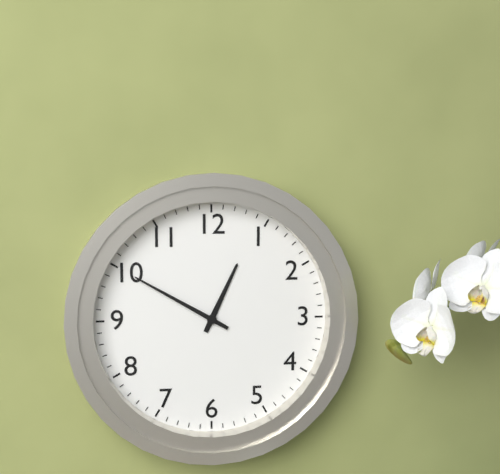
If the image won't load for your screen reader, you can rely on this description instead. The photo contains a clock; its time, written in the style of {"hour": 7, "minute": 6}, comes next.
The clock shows {"hour": 12, "minute": 50}
